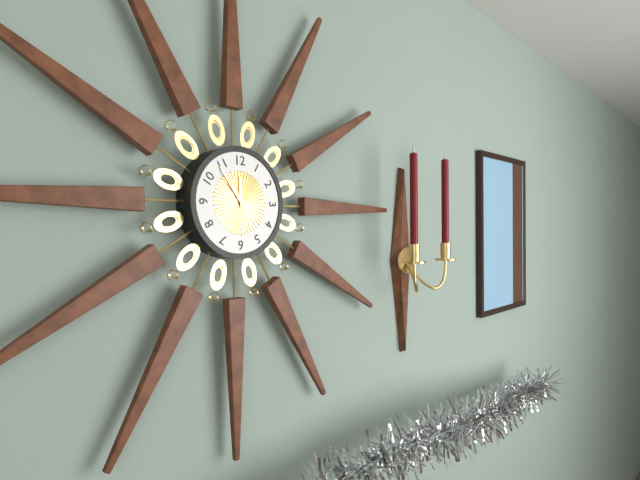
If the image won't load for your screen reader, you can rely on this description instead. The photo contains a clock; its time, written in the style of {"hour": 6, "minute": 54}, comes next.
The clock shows {"hour": 11, "minute": 54}
